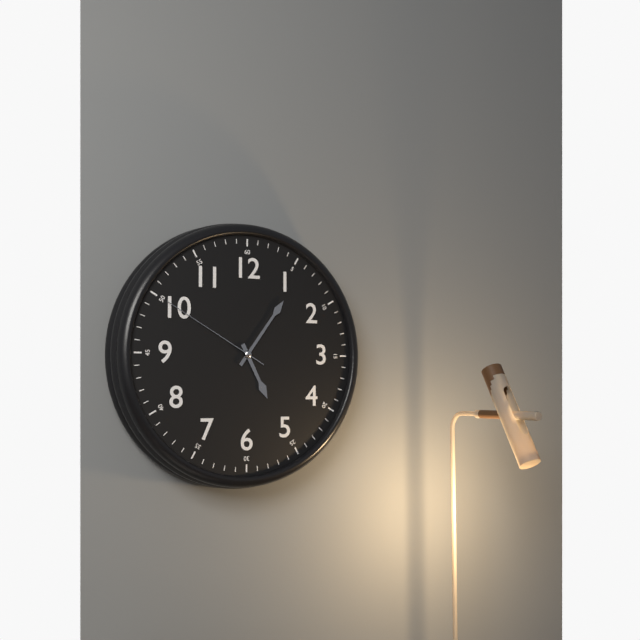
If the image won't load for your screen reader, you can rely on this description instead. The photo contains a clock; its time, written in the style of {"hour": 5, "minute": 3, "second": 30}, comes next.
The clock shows {"hour": 5, "minute": 6, "second": 50}
